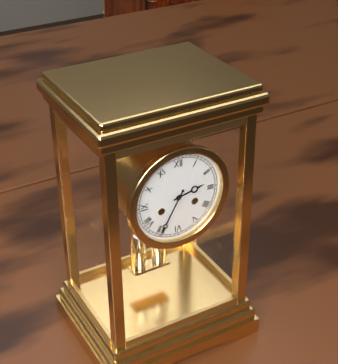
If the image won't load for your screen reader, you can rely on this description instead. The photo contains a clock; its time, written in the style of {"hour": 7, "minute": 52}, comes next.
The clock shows {"hour": 2, "minute": 35}
